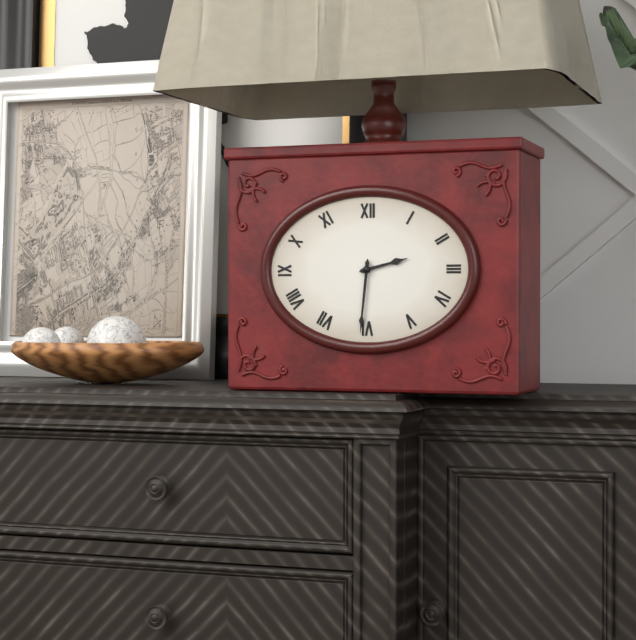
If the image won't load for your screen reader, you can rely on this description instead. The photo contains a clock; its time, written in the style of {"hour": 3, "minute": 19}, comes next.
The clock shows {"hour": 2, "minute": 31}
